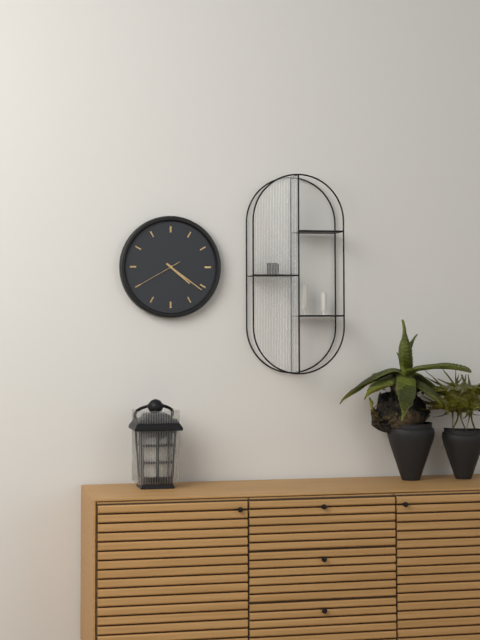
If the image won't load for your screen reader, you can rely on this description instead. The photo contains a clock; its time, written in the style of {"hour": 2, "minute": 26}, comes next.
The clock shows {"hour": 4, "minute": 21}
